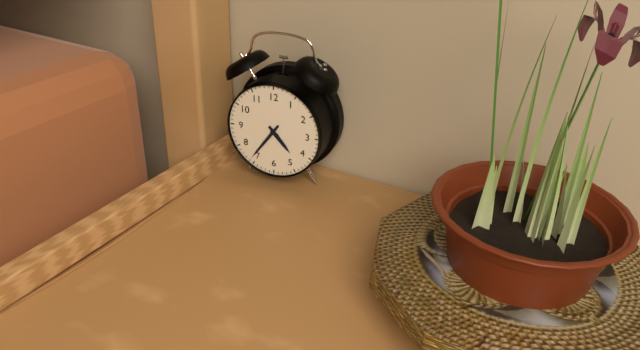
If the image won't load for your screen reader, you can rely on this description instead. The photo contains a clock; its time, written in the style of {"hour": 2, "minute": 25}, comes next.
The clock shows {"hour": 4, "minute": 36}
